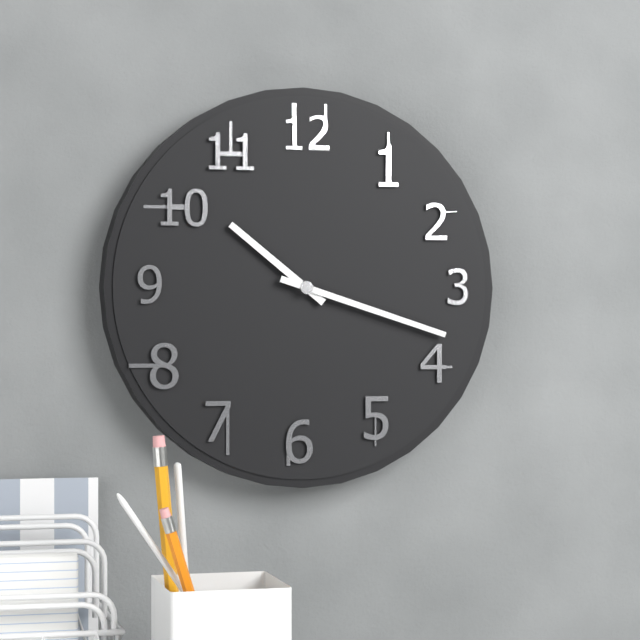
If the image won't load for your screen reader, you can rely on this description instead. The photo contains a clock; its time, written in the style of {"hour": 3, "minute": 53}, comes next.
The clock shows {"hour": 10, "minute": 18}
